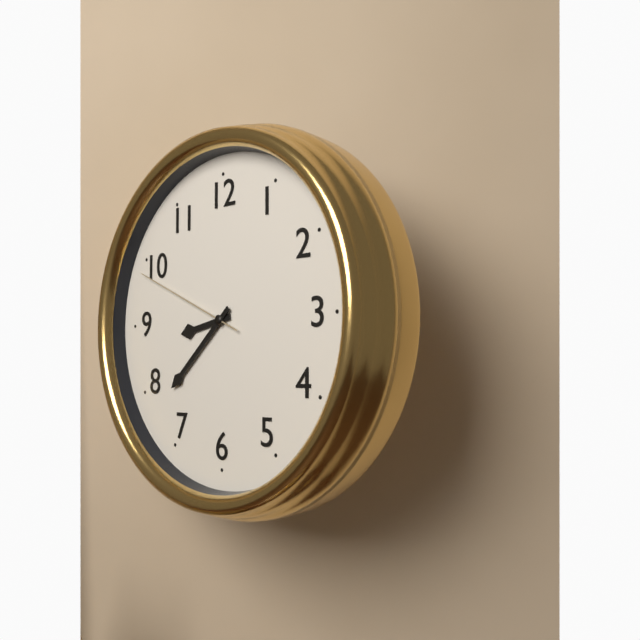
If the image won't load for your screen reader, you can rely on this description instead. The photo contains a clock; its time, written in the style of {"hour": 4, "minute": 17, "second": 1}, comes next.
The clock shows {"hour": 8, "minute": 38, "second": 49}
